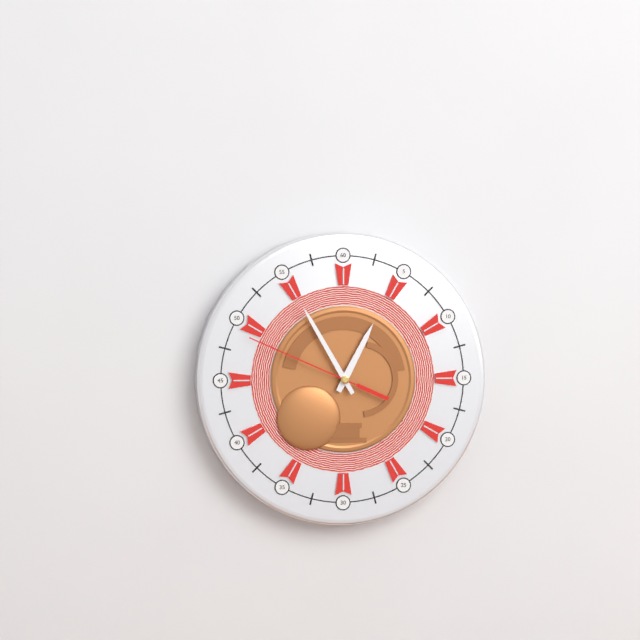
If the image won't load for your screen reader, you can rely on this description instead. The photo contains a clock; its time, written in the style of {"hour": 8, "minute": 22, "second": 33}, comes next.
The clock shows {"hour": 12, "minute": 55, "second": 49}
